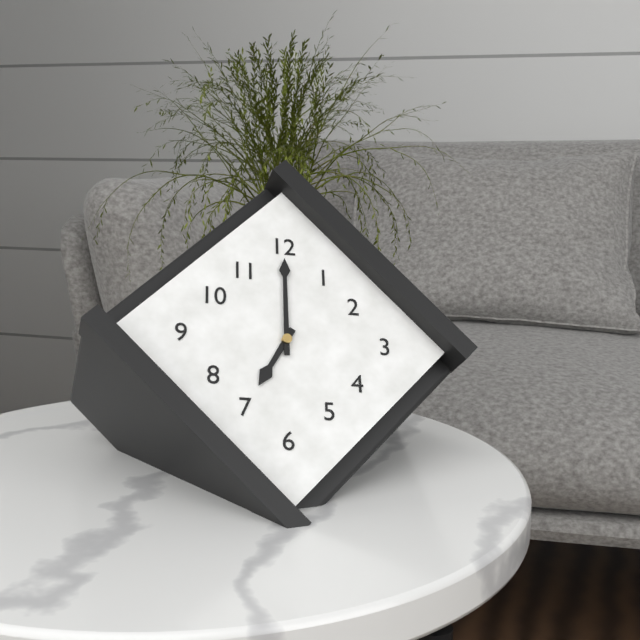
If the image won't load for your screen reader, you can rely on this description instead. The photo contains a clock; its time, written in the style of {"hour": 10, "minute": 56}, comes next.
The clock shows {"hour": 7, "minute": 0}
